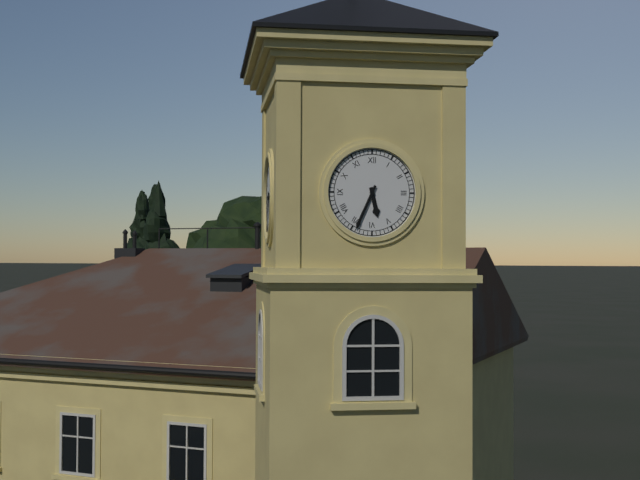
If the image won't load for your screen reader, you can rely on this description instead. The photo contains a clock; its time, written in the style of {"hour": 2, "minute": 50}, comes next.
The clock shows {"hour": 5, "minute": 34}
